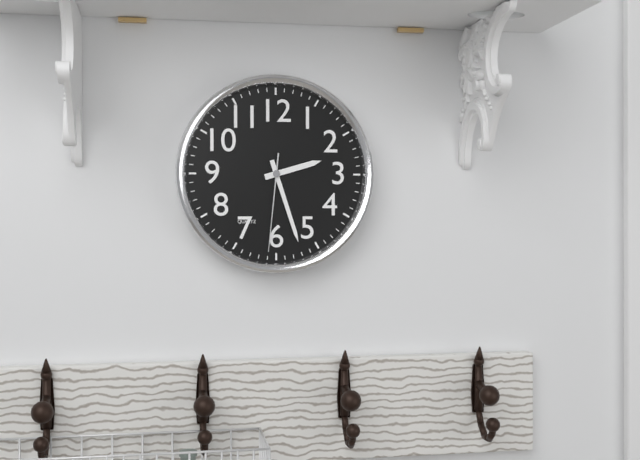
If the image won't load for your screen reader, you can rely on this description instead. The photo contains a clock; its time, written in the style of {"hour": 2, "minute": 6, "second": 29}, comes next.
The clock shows {"hour": 2, "minute": 27, "second": 31}
